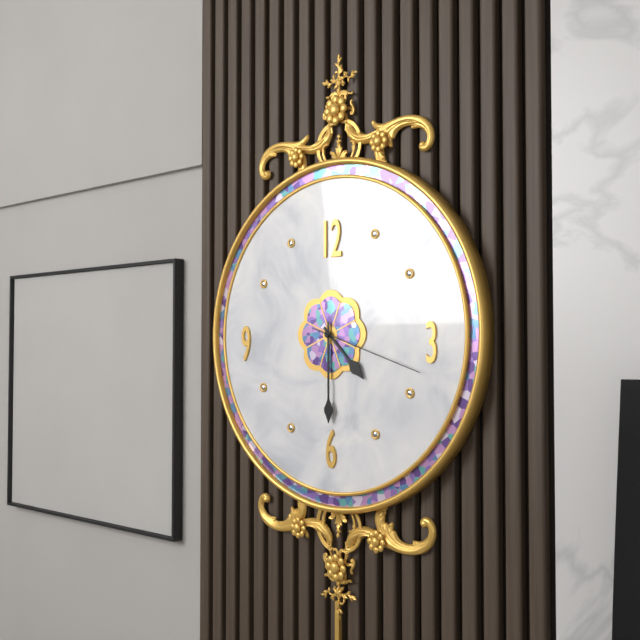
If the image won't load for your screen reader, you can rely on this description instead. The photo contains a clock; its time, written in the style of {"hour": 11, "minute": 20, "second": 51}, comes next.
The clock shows {"hour": 4, "minute": 30, "second": 18}
